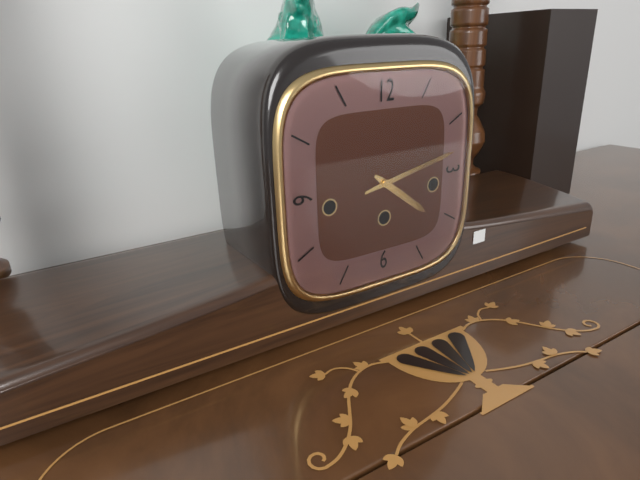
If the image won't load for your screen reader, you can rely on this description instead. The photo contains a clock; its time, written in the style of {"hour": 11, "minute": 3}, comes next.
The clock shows {"hour": 4, "minute": 13}
